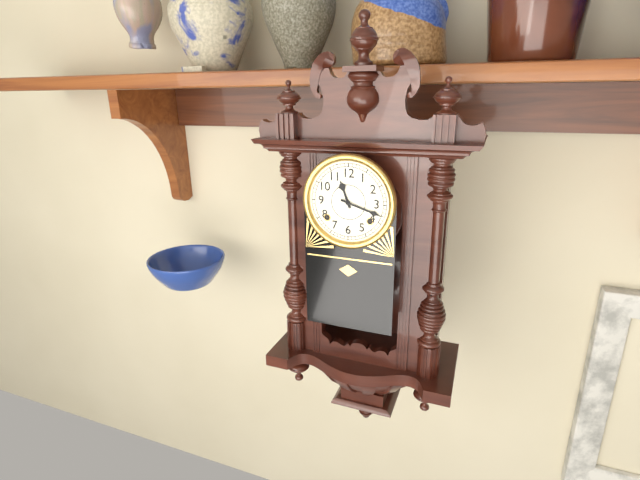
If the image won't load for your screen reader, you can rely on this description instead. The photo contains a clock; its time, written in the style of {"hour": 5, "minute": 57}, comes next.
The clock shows {"hour": 11, "minute": 18}
